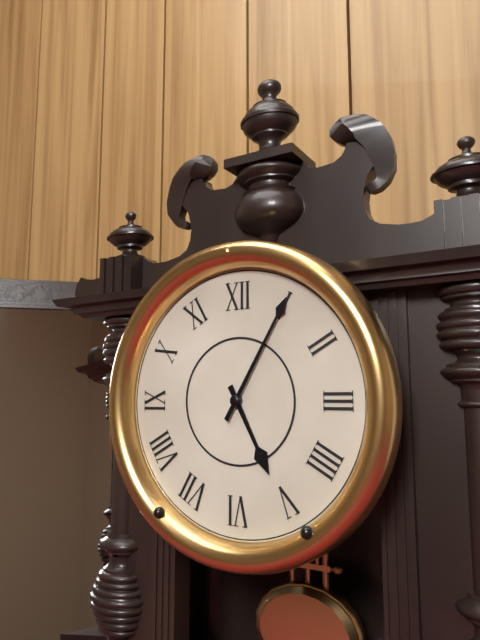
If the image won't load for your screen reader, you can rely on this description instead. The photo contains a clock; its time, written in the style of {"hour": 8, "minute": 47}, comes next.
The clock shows {"hour": 5, "minute": 5}
